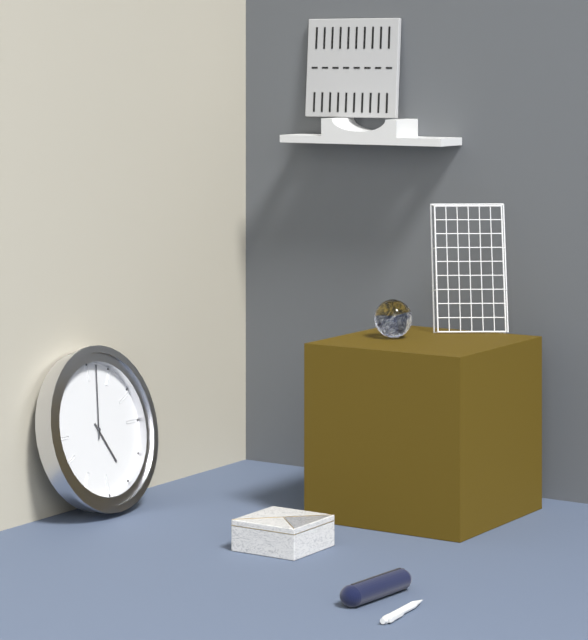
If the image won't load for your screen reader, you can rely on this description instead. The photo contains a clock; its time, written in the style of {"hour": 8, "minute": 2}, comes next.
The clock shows {"hour": 5, "minute": 2}
